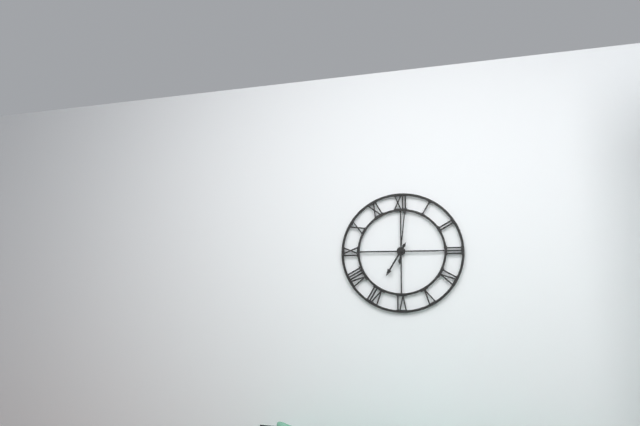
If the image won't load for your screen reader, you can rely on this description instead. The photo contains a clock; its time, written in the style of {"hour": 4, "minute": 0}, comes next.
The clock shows {"hour": 7, "minute": 1}
